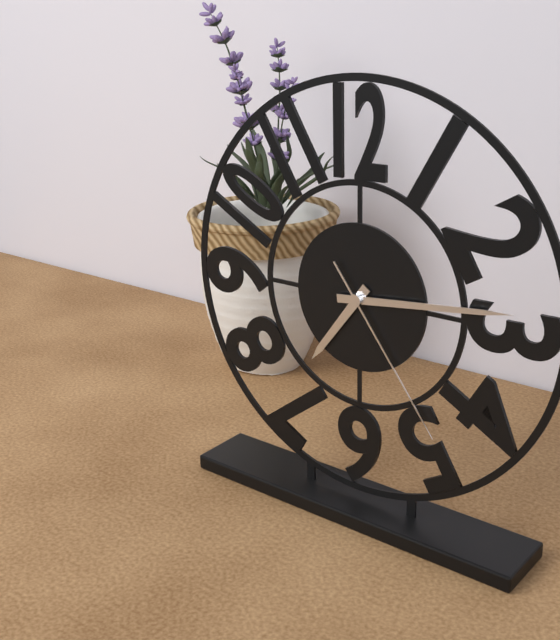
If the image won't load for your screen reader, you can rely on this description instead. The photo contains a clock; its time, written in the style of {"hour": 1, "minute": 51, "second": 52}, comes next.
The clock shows {"hour": 7, "minute": 14, "second": 24}
